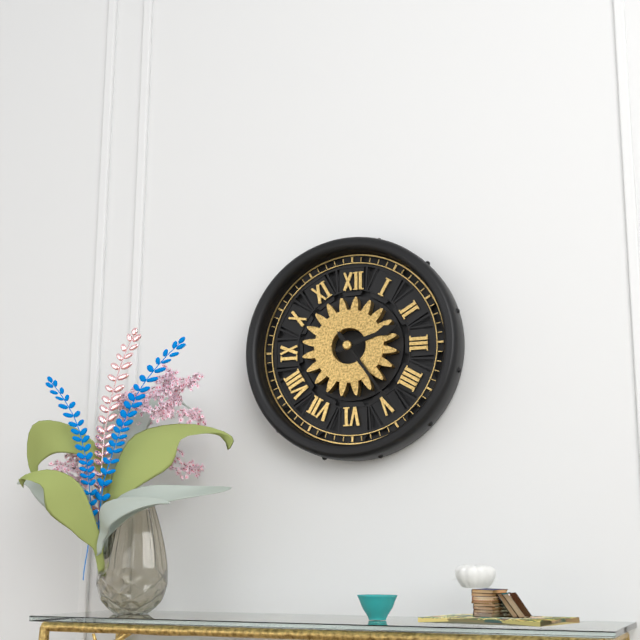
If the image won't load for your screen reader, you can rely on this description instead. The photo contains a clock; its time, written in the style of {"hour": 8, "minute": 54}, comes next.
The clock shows {"hour": 2, "minute": 24}
